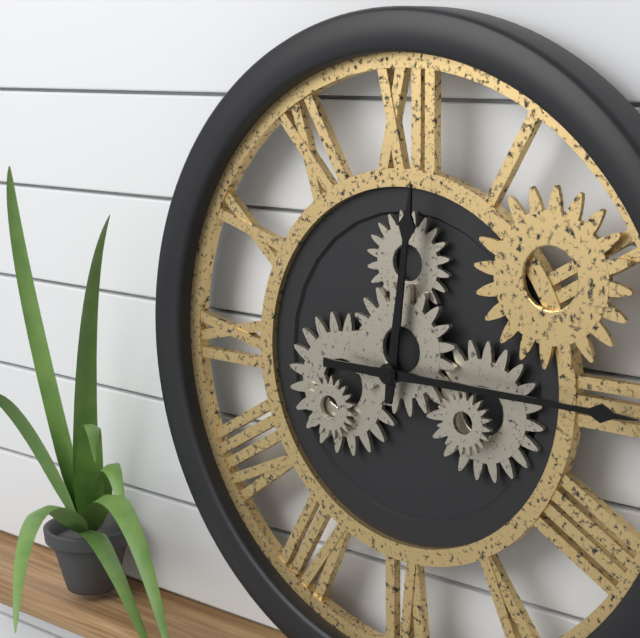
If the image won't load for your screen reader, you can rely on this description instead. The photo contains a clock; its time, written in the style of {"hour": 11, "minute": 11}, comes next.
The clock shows {"hour": 12, "minute": 15}
